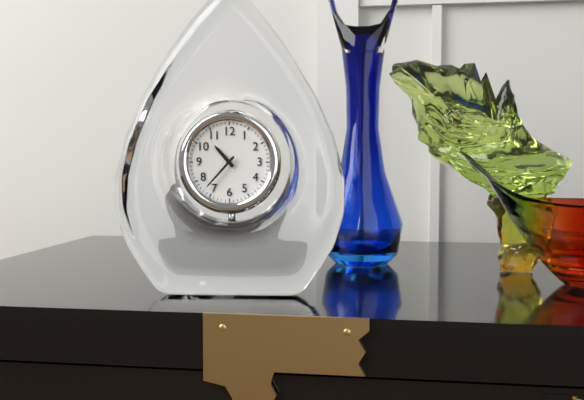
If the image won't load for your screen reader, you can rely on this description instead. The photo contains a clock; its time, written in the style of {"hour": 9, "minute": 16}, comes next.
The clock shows {"hour": 10, "minute": 37}
